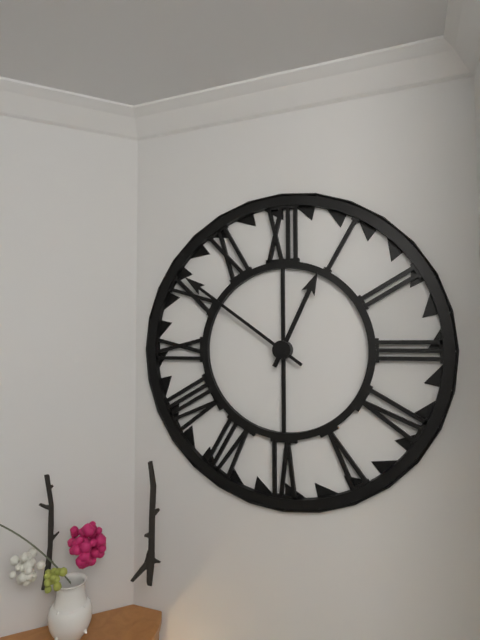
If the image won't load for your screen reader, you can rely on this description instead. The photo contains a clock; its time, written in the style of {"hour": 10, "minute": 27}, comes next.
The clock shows {"hour": 12, "minute": 51}
